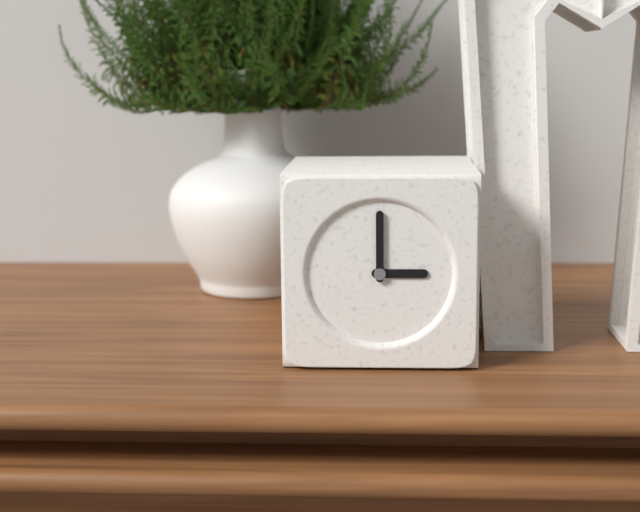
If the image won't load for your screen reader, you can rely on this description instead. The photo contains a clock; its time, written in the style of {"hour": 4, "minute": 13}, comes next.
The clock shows {"hour": 3, "minute": 0}
